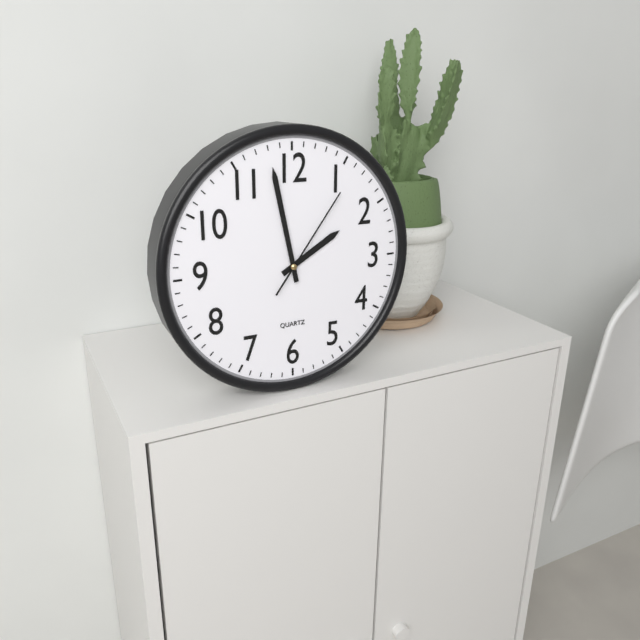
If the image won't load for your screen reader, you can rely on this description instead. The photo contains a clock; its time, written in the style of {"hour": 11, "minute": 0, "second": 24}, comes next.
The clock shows {"hour": 1, "minute": 58, "second": 6}
